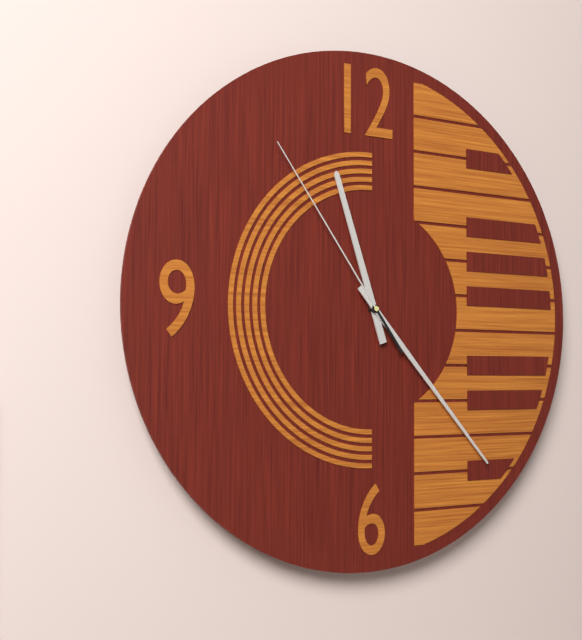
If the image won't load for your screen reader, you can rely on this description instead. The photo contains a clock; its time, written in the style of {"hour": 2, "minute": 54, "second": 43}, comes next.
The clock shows {"hour": 11, "minute": 23, "second": 54}
